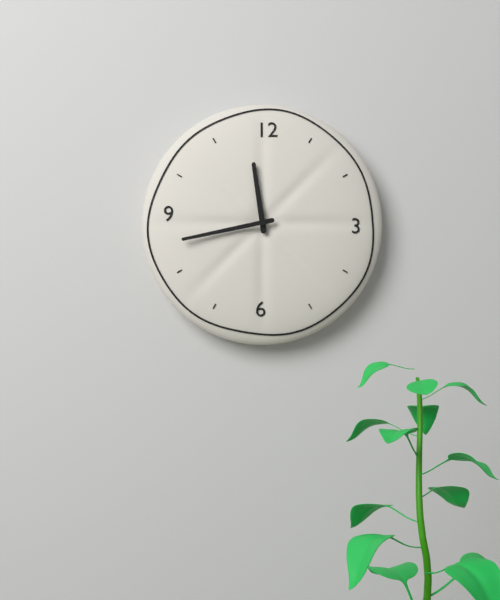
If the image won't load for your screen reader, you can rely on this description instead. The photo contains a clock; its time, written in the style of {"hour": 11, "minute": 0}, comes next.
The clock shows {"hour": 11, "minute": 43}
